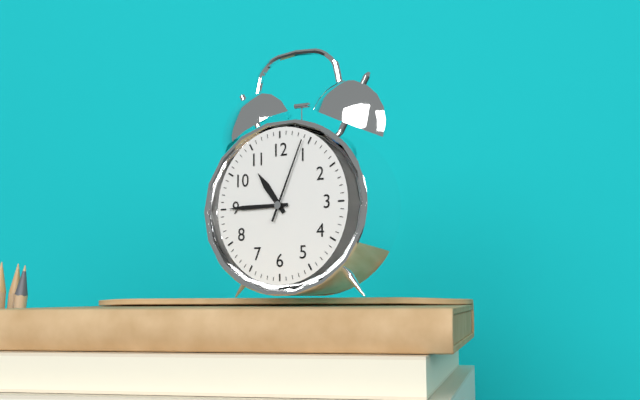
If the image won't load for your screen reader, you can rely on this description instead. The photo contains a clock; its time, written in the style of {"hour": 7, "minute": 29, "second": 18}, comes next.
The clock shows {"hour": 10, "minute": 45, "second": 4}
